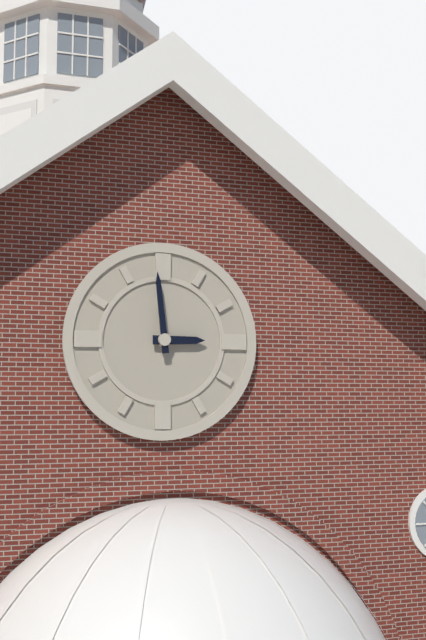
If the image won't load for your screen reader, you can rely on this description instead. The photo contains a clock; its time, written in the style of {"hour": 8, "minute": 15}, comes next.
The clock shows {"hour": 2, "minute": 59}
